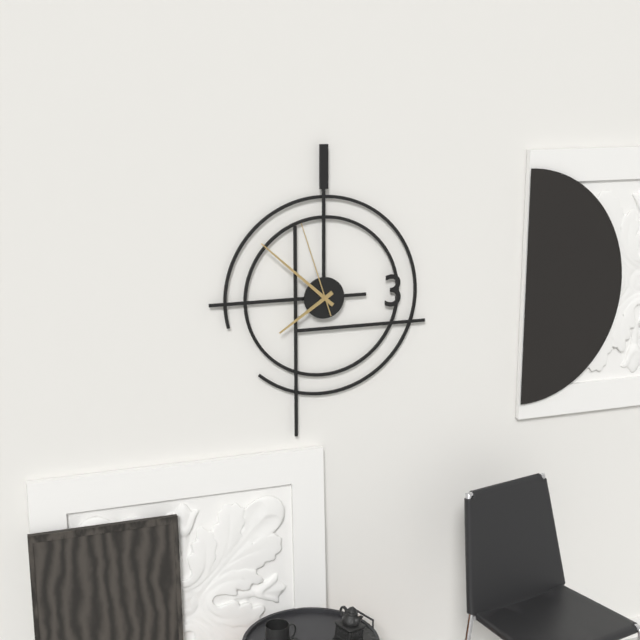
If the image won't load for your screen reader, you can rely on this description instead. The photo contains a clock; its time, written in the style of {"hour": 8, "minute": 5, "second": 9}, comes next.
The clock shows {"hour": 7, "minute": 52, "second": 57}
